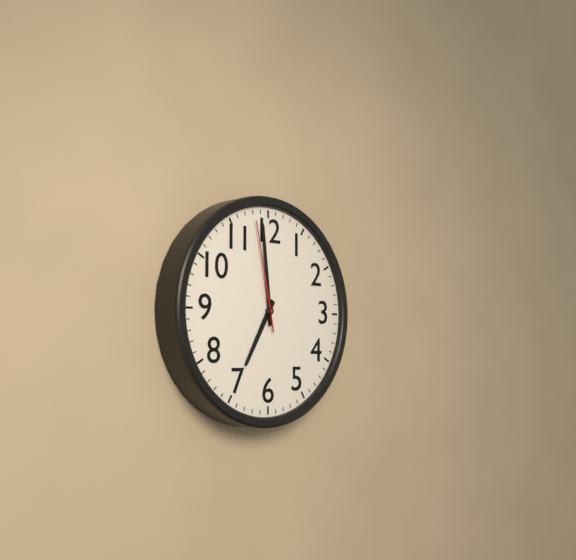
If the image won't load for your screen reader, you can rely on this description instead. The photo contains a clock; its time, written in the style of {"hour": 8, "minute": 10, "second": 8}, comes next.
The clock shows {"hour": 6, "minute": 59, "second": 58}
